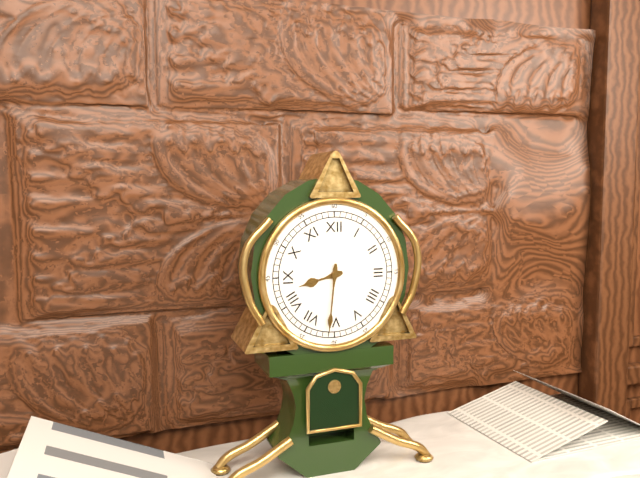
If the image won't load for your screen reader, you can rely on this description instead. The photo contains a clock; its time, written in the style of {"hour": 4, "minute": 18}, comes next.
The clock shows {"hour": 8, "minute": 31}
